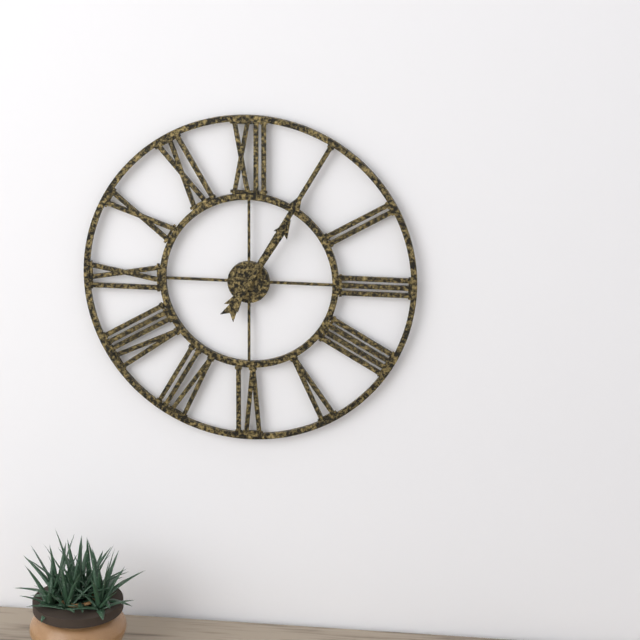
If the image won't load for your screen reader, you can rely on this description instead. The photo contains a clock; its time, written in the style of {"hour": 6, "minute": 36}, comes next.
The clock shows {"hour": 1, "minute": 5}
